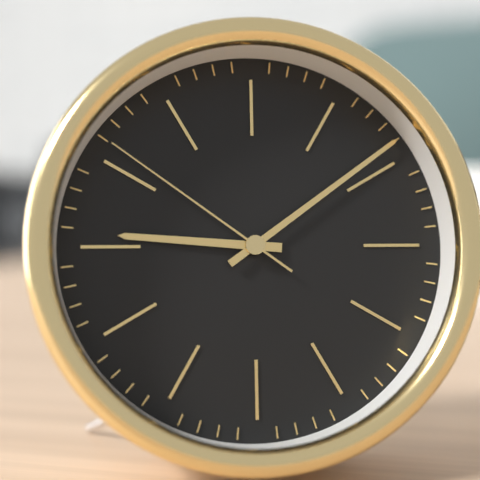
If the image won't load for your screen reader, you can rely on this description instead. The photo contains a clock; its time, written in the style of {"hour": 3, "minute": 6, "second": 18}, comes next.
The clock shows {"hour": 9, "minute": 9, "second": 51}
